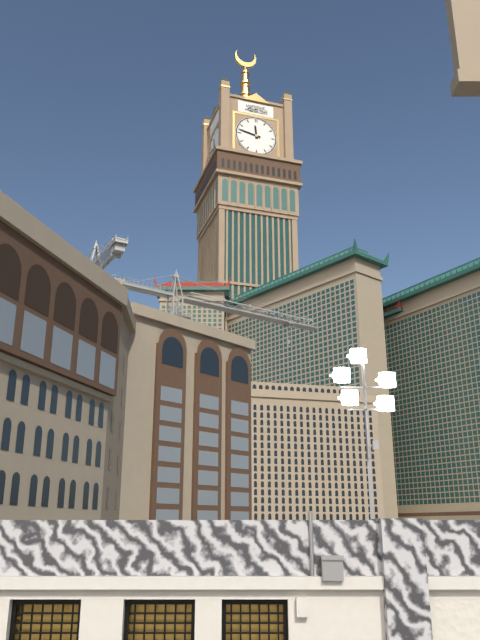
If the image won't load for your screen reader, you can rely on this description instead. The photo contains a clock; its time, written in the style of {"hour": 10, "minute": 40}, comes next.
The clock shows {"hour": 11, "minute": 47}
